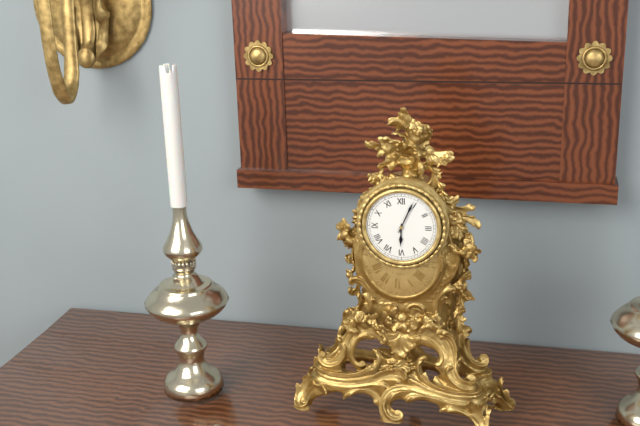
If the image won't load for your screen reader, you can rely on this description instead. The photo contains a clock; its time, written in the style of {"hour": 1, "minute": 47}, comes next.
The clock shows {"hour": 6, "minute": 4}
